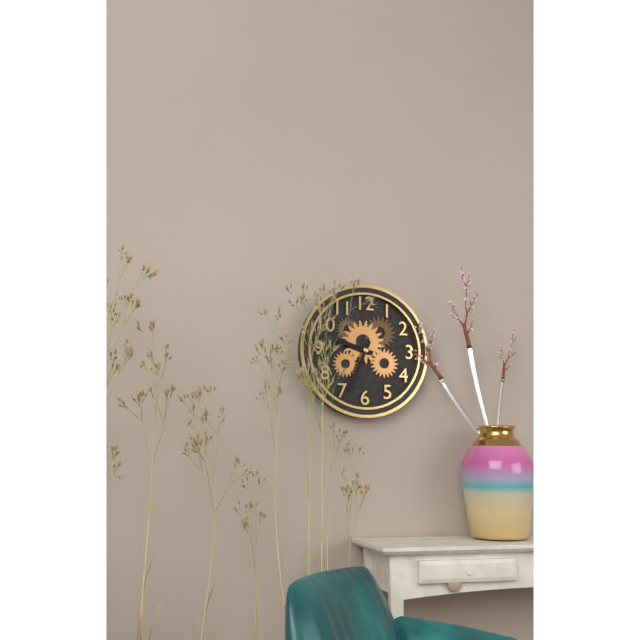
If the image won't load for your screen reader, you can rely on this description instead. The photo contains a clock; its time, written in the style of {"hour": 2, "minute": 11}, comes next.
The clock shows {"hour": 9, "minute": 34}
